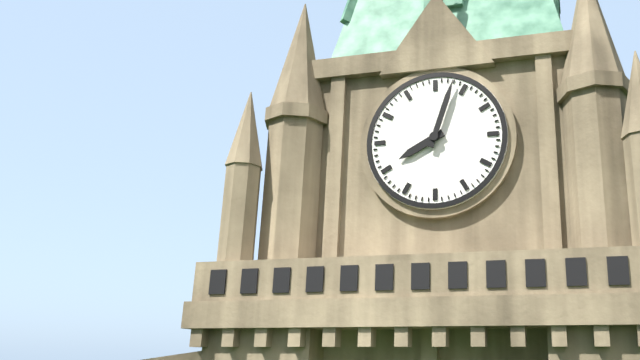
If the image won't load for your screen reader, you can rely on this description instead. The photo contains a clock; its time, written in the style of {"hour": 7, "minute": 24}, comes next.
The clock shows {"hour": 8, "minute": 3}
